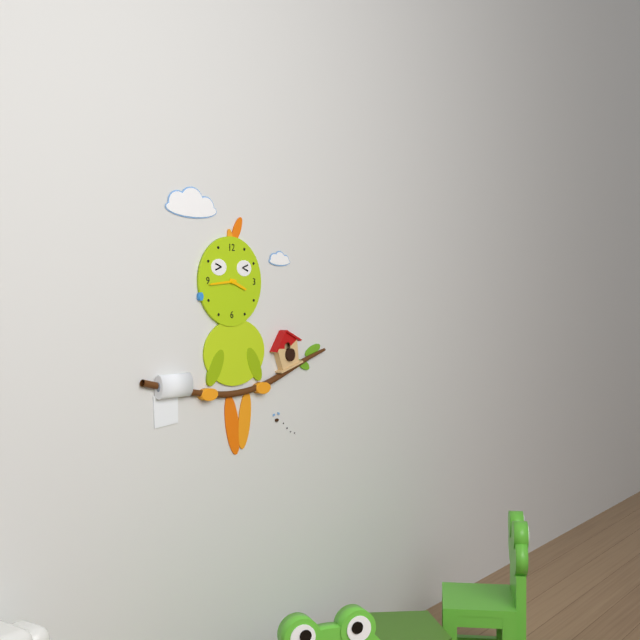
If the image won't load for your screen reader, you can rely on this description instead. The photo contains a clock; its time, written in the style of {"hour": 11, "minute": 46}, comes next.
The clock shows {"hour": 3, "minute": 44}
